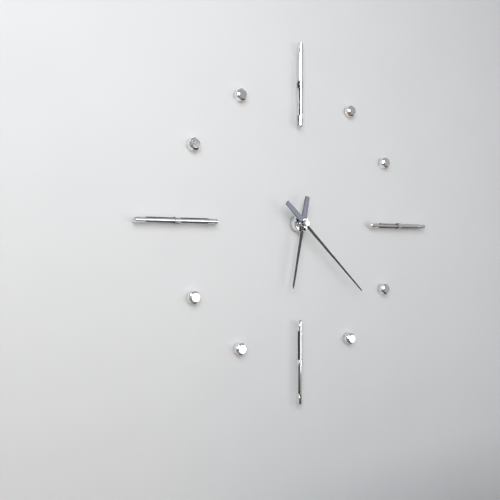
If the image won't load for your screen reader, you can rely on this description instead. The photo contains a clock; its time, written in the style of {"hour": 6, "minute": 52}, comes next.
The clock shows {"hour": 6, "minute": 22}
